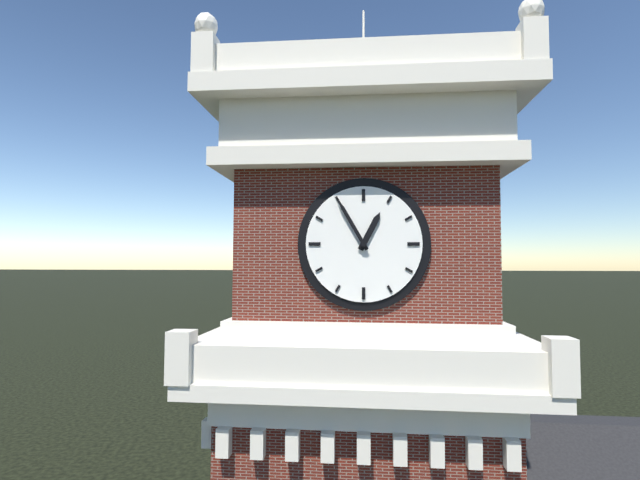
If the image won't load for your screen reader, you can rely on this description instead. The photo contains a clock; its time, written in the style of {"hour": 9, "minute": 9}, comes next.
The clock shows {"hour": 12, "minute": 55}
